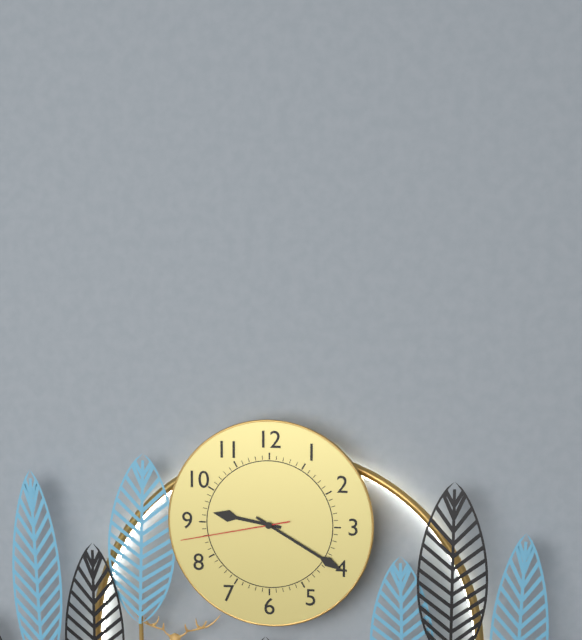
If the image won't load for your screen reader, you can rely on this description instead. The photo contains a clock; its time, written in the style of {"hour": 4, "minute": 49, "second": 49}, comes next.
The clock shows {"hour": 9, "minute": 20, "second": 43}
